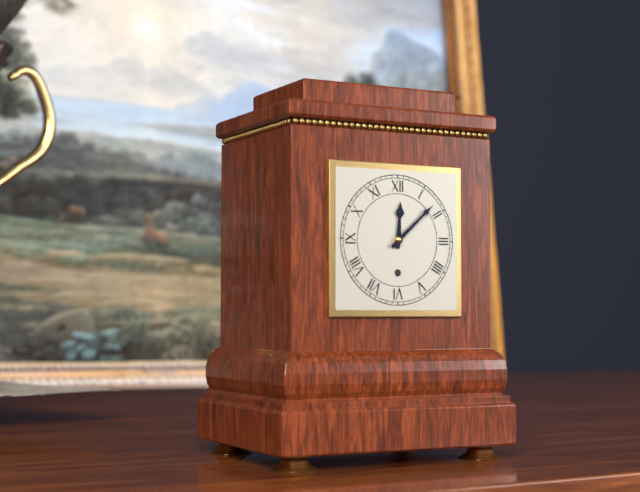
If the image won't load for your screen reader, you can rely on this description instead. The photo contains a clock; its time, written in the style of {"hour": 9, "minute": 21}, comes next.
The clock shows {"hour": 12, "minute": 8}
